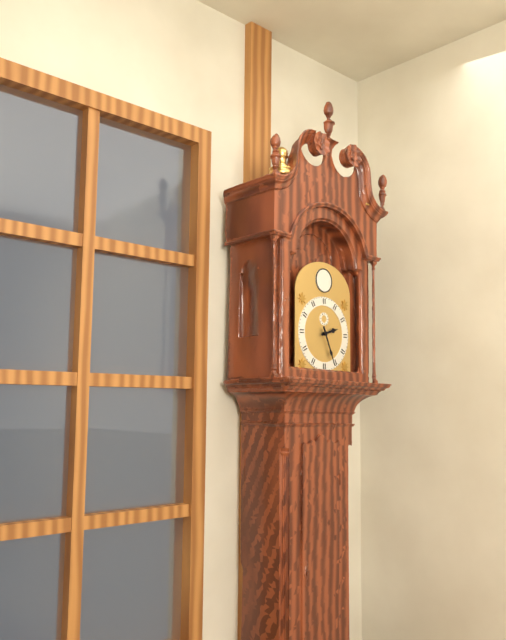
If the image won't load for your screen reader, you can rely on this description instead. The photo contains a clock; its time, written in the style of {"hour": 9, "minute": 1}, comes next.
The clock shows {"hour": 2, "minute": 26}
